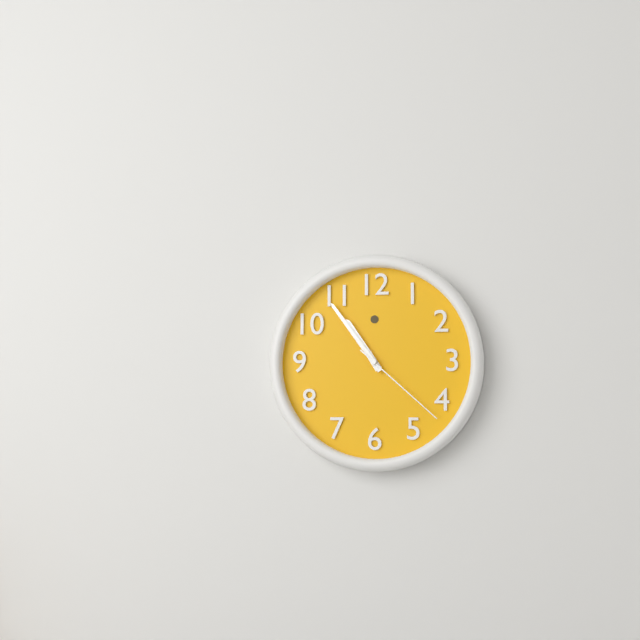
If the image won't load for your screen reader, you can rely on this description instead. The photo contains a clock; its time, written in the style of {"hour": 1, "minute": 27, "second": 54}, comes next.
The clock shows {"hour": 10, "minute": 54, "second": 22}
